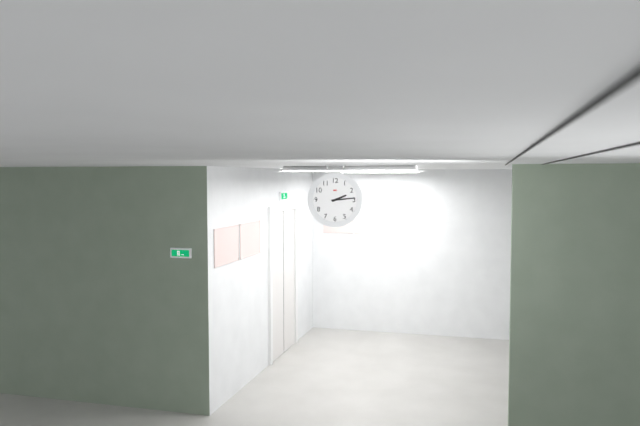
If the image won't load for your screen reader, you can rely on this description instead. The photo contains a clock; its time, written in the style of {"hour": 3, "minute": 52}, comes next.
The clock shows {"hour": 2, "minute": 14}
